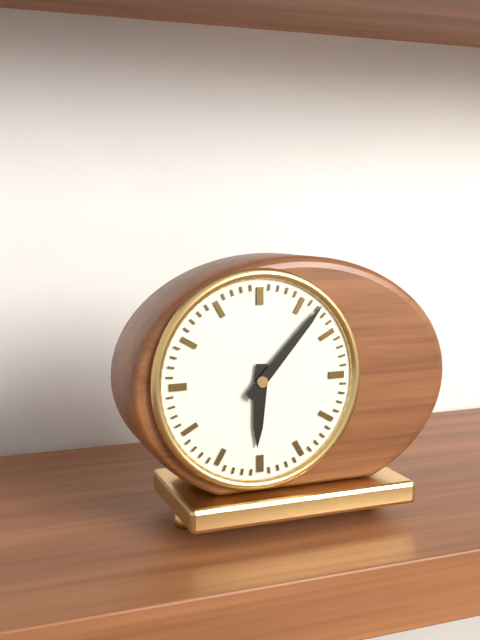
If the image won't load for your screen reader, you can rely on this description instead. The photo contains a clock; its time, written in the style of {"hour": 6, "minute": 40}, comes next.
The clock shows {"hour": 6, "minute": 7}
